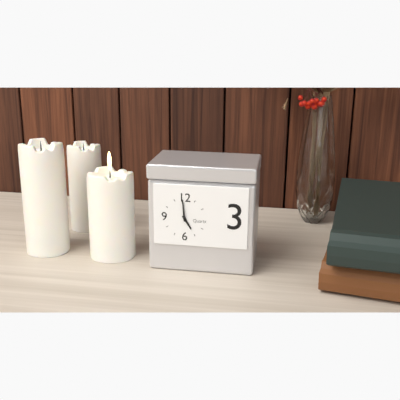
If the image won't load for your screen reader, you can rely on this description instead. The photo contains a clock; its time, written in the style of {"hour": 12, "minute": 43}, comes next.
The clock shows {"hour": 4, "minute": 59}
